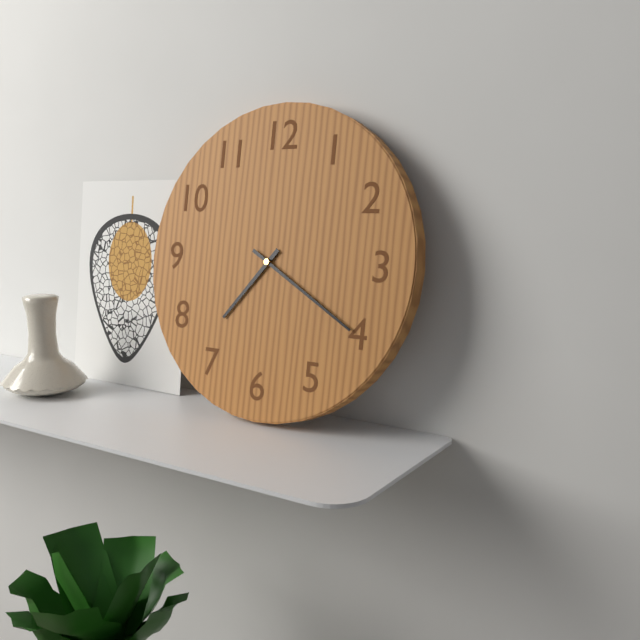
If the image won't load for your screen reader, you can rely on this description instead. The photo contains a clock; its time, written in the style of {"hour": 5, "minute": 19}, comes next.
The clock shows {"hour": 7, "minute": 20}
